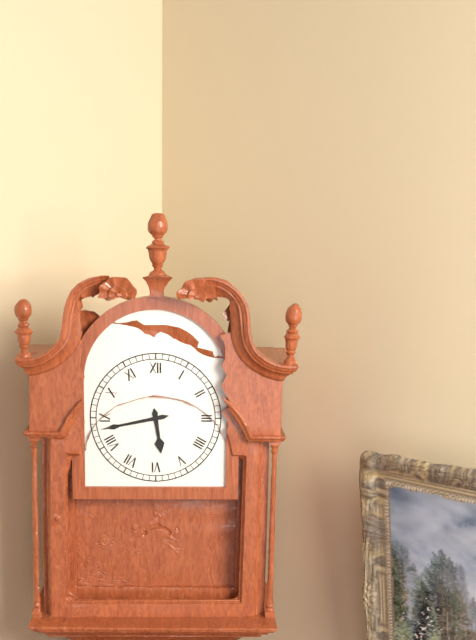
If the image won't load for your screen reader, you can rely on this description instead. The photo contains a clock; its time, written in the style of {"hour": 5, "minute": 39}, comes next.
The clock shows {"hour": 5, "minute": 43}
